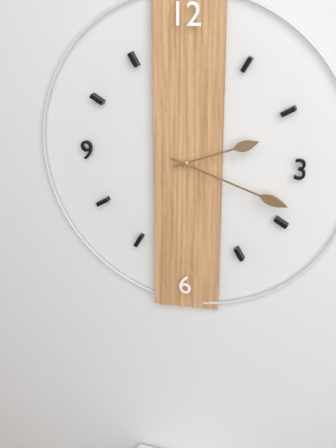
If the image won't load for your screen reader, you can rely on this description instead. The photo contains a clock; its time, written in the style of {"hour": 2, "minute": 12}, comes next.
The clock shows {"hour": 2, "minute": 18}
